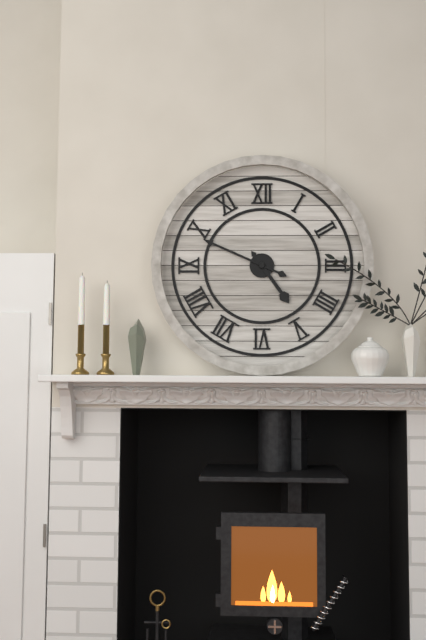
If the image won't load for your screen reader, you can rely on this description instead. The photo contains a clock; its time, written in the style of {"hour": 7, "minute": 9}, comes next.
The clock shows {"hour": 4, "minute": 49}
